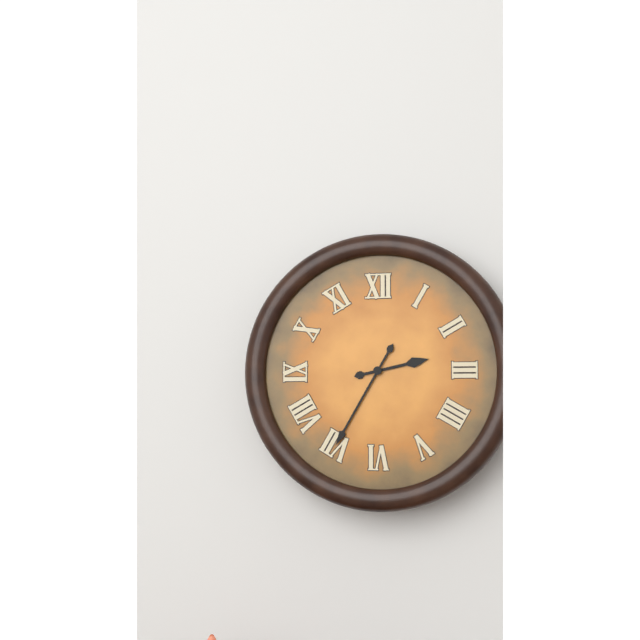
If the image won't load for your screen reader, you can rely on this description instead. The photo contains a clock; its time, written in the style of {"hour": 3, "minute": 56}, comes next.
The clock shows {"hour": 2, "minute": 35}
